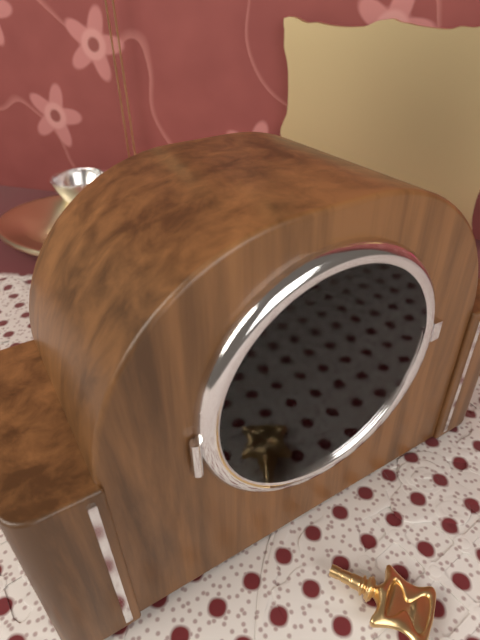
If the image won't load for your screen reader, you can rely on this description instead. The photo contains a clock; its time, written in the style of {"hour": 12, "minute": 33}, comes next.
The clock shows {"hour": 3, "minute": 17}
